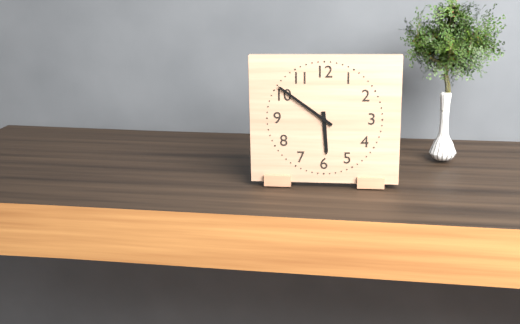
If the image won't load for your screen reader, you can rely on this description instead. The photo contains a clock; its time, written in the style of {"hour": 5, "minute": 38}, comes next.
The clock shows {"hour": 5, "minute": 51}
